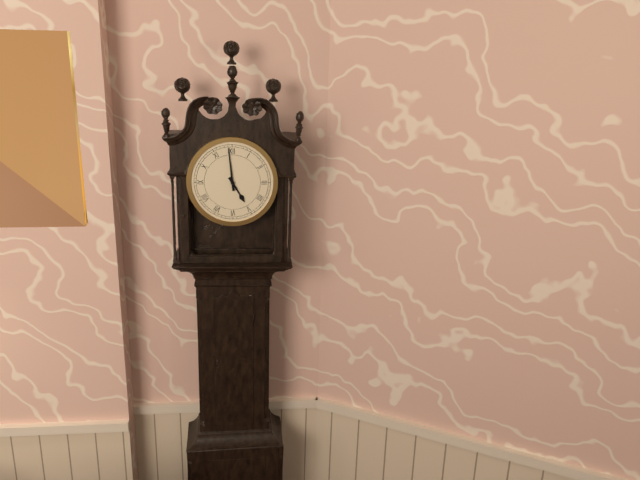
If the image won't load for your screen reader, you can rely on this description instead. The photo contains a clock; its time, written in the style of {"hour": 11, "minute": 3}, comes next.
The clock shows {"hour": 4, "minute": 59}
